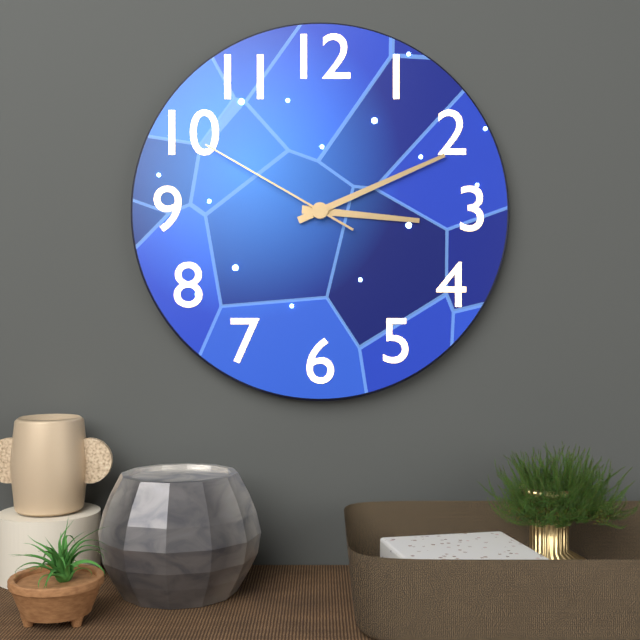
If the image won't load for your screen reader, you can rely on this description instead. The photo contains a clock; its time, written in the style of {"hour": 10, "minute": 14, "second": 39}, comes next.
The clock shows {"hour": 3, "minute": 11, "second": 50}
